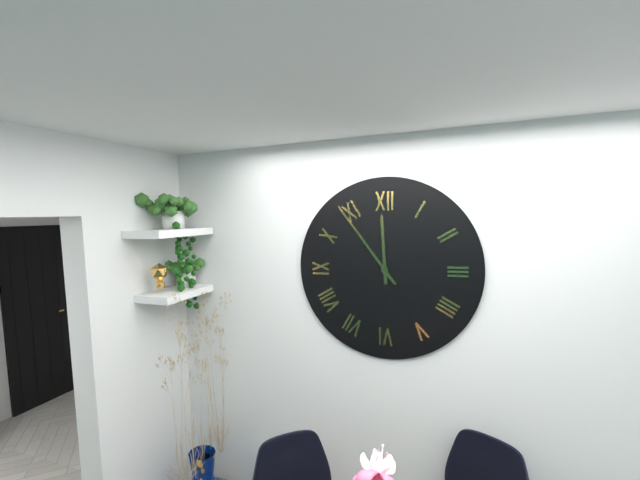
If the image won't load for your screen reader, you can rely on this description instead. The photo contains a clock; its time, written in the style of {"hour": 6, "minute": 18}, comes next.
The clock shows {"hour": 11, "minute": 54}
